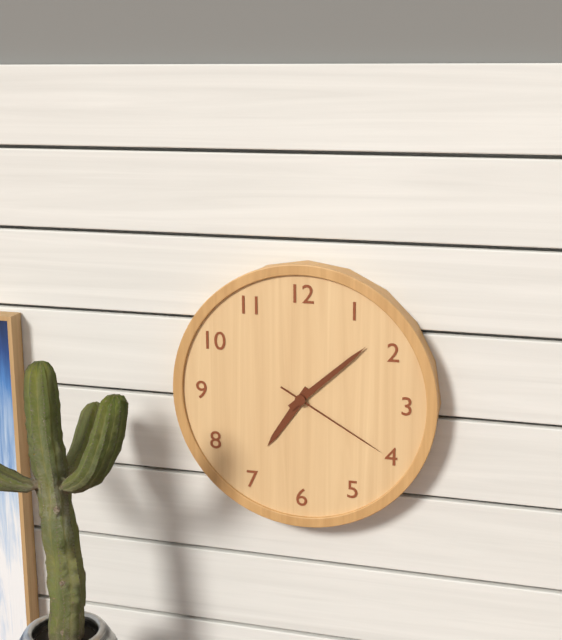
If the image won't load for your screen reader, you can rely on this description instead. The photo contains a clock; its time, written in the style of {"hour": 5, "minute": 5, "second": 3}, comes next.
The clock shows {"hour": 7, "minute": 8, "second": 20}
